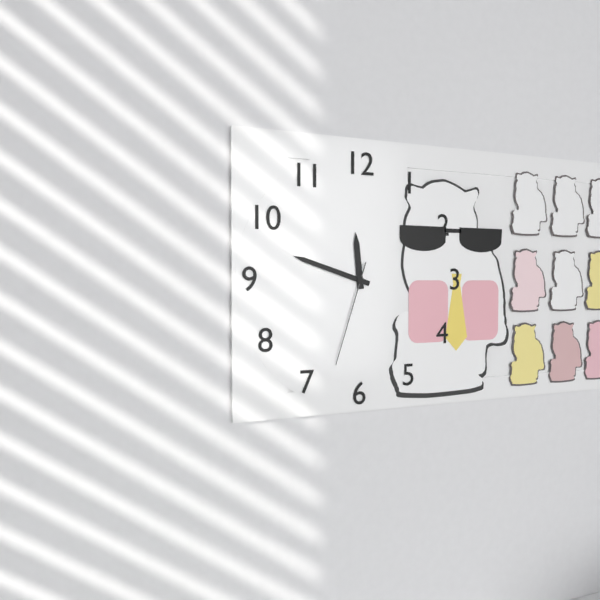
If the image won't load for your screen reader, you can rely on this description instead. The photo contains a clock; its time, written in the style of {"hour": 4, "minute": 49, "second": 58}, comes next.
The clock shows {"hour": 11, "minute": 48, "second": 33}
